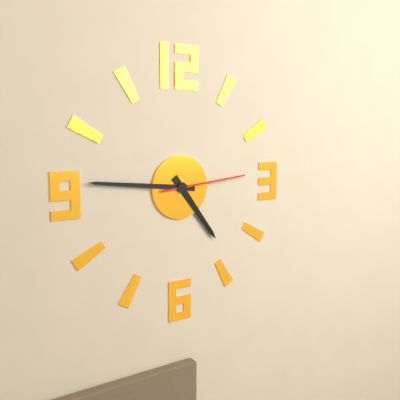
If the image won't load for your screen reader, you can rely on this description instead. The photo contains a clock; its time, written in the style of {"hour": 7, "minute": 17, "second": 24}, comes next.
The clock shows {"hour": 4, "minute": 46, "second": 14}
